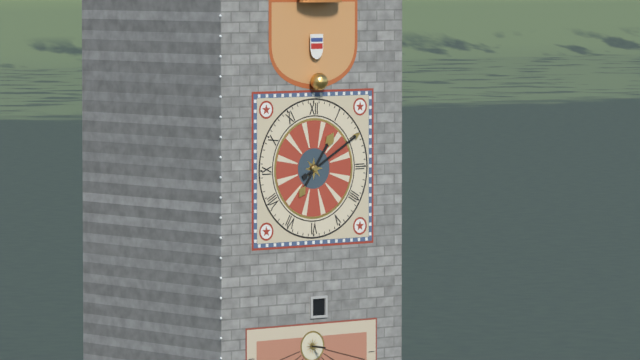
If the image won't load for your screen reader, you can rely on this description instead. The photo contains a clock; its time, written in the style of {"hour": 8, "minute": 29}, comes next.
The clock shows {"hour": 1, "minute": 10}
